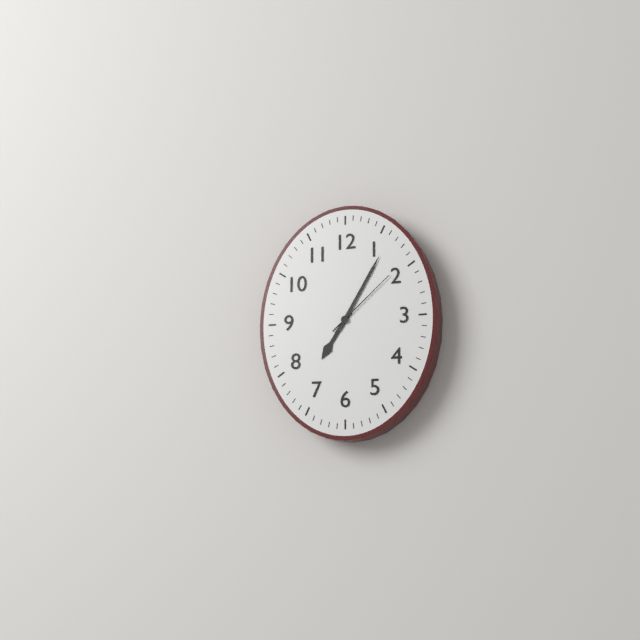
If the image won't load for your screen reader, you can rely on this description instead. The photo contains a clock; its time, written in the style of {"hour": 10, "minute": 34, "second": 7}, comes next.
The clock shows {"hour": 7, "minute": 5, "second": 8}
